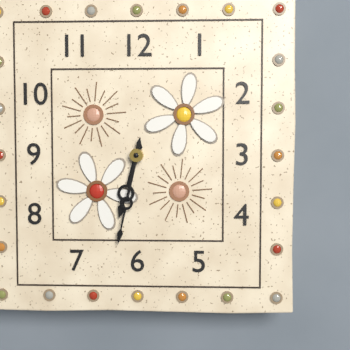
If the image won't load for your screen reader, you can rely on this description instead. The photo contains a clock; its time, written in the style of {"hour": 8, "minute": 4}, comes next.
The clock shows {"hour": 6, "minute": 32}
